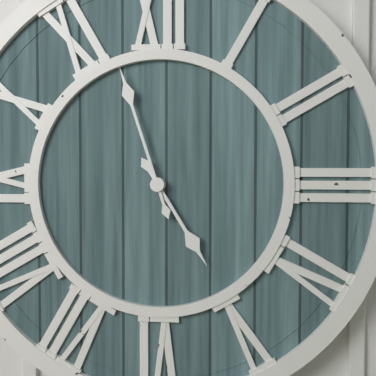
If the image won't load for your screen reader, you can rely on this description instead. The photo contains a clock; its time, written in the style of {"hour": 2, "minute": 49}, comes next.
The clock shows {"hour": 4, "minute": 57}
